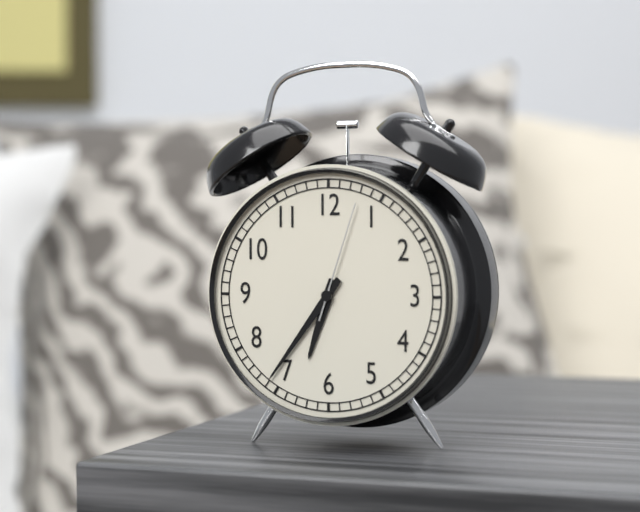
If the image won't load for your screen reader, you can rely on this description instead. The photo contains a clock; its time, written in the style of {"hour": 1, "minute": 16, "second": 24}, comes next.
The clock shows {"hour": 6, "minute": 36, "second": 3}
